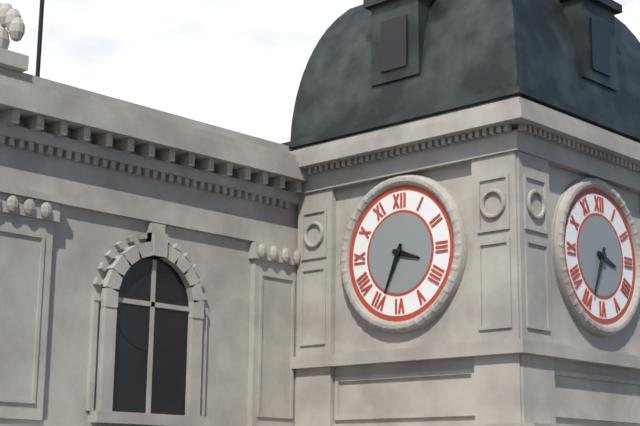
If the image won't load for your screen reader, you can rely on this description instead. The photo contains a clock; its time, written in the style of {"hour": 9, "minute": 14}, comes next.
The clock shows {"hour": 3, "minute": 34}
